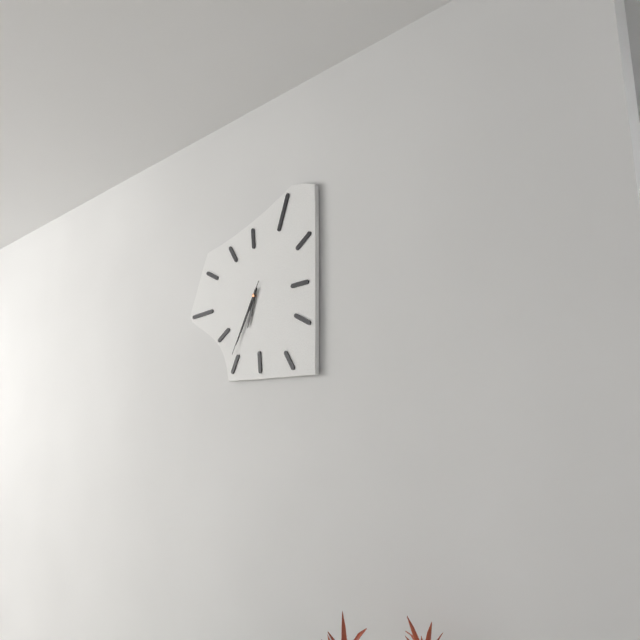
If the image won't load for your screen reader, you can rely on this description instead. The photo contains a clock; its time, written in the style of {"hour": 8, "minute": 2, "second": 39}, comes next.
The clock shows {"hour": 6, "minute": 35, "second": 35}
